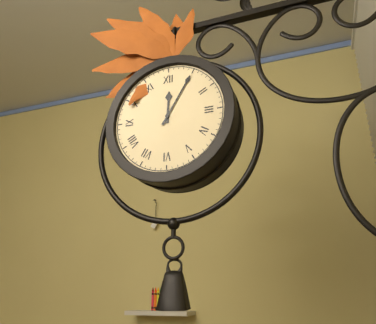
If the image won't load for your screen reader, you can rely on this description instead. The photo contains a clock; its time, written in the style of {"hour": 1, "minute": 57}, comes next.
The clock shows {"hour": 12, "minute": 5}
